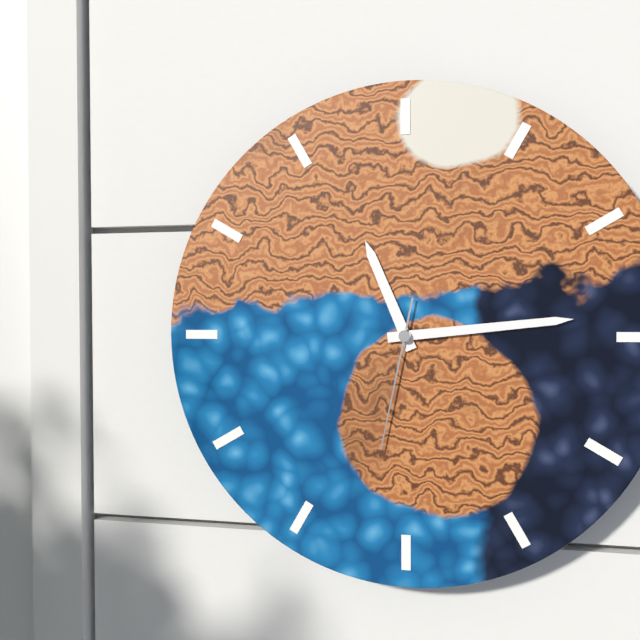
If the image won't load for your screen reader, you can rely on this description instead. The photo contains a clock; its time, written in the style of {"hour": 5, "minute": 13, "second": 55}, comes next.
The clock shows {"hour": 11, "minute": 14, "second": 32}
